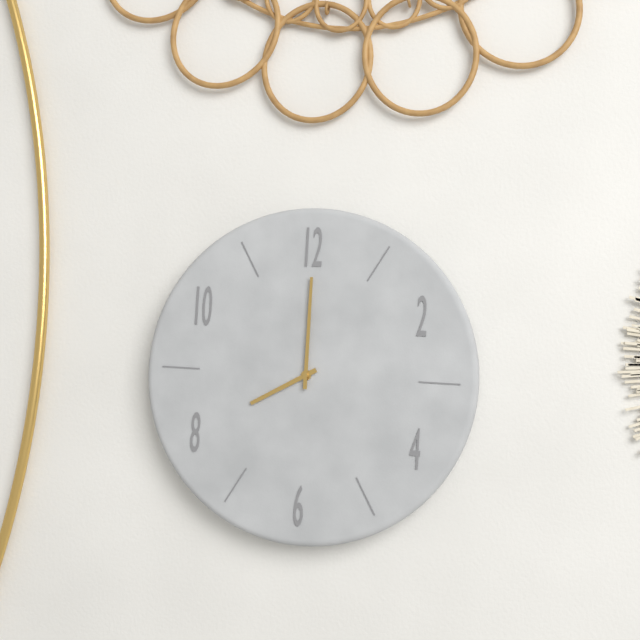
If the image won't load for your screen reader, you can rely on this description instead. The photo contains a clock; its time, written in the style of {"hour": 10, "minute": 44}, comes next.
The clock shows {"hour": 8, "minute": 0}
